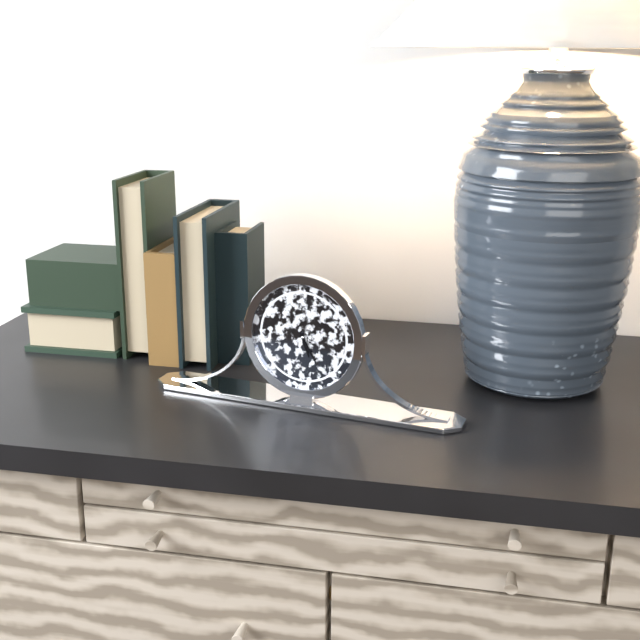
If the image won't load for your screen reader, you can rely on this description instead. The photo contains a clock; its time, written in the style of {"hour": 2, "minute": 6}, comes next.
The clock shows {"hour": 5, "minute": 25}
